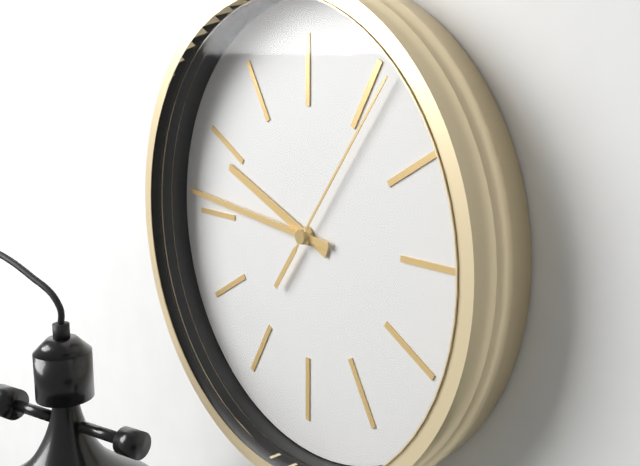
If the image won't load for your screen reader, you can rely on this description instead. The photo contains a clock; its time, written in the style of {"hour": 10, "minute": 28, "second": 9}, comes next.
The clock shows {"hour": 9, "minute": 46, "second": 6}
